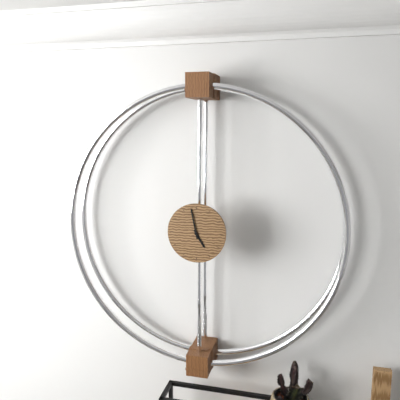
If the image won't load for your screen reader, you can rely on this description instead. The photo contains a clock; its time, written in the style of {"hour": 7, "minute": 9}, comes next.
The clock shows {"hour": 4, "minute": 58}
